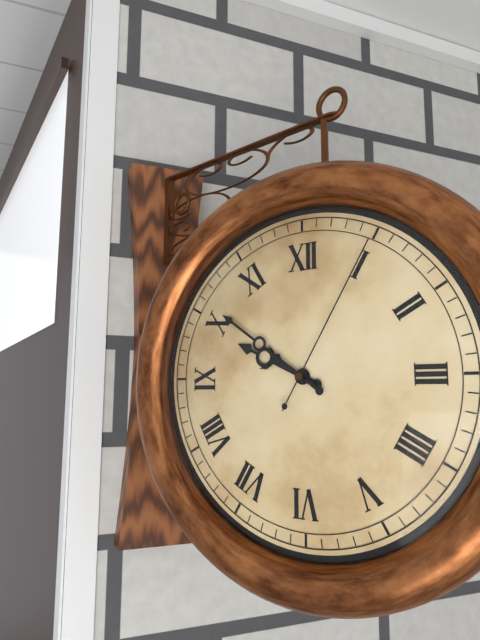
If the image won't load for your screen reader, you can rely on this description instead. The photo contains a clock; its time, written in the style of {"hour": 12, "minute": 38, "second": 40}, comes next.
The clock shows {"hour": 9, "minute": 51, "second": 5}
